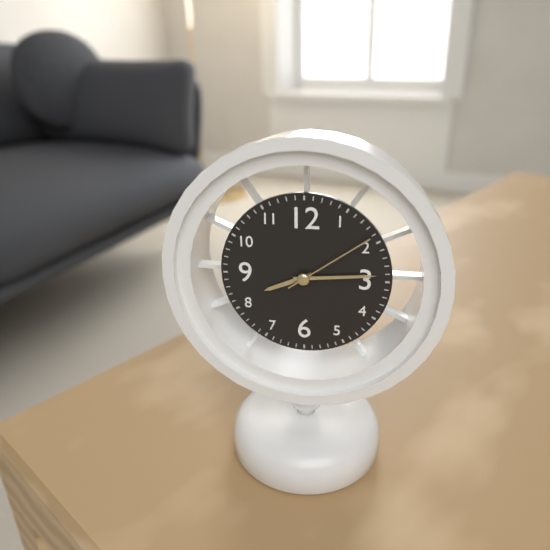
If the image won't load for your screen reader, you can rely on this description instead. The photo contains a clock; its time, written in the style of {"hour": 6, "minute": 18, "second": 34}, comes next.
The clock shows {"hour": 8, "minute": 14, "second": 9}
